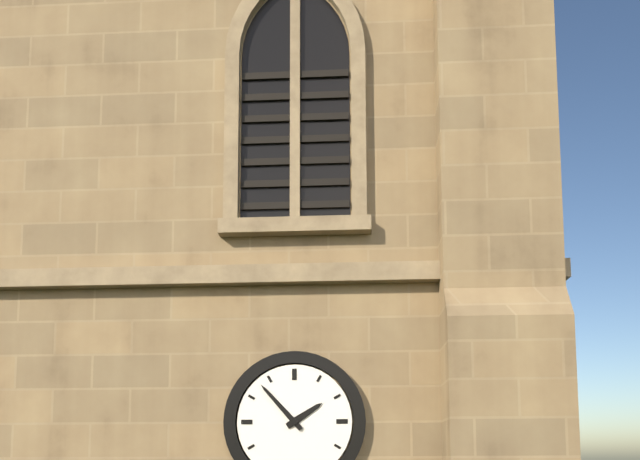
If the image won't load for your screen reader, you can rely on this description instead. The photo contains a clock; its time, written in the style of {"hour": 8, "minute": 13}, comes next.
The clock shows {"hour": 1, "minute": 53}
